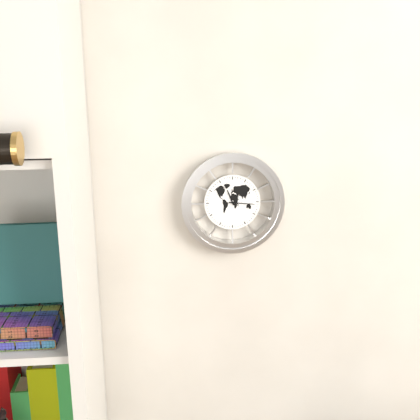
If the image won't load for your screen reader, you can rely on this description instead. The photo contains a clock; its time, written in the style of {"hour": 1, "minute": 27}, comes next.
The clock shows {"hour": 11, "minute": 16}
